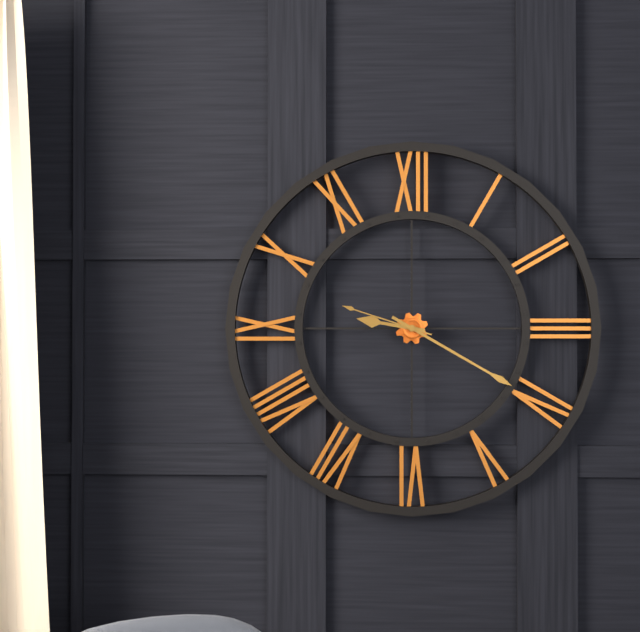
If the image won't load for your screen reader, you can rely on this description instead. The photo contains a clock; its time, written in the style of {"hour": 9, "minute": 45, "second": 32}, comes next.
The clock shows {"hour": 9, "minute": 20, "second": 48}
